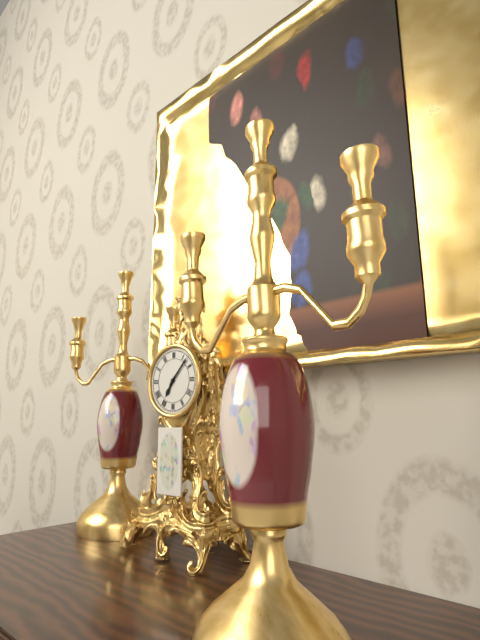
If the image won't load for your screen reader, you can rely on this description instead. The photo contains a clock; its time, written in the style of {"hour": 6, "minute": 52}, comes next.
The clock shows {"hour": 7, "minute": 7}
